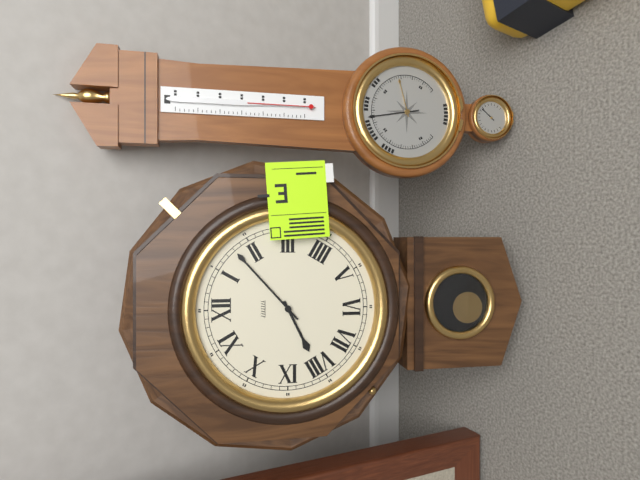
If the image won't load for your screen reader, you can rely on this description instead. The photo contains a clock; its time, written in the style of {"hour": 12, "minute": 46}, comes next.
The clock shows {"hour": 8, "minute": 8}
